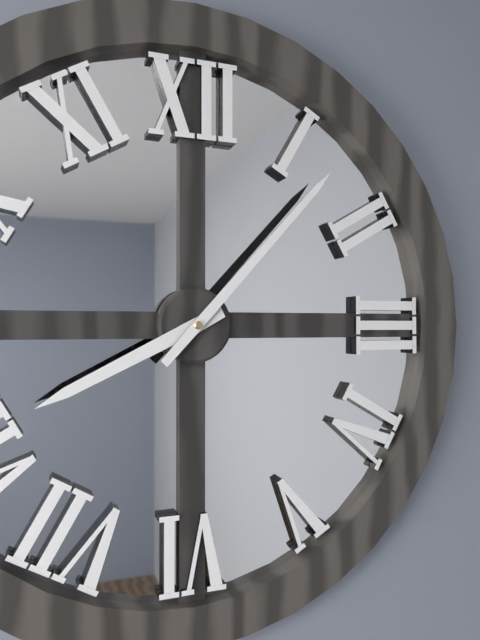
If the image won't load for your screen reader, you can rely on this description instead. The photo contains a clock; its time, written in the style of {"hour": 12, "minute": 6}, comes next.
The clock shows {"hour": 8, "minute": 7}
